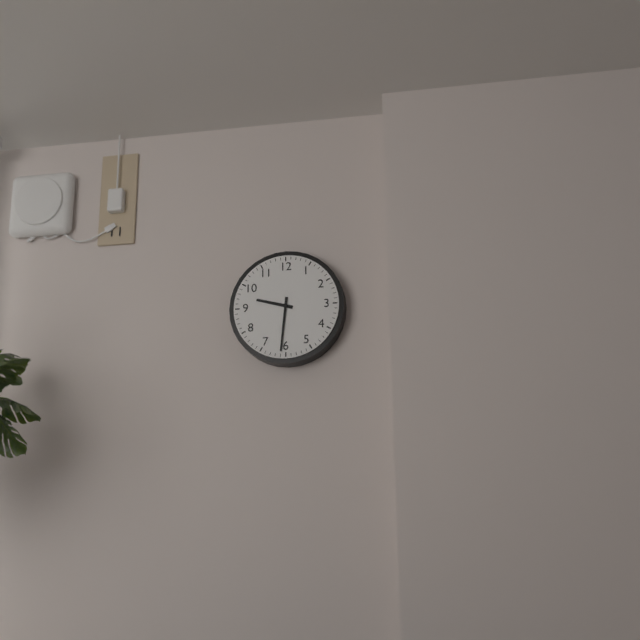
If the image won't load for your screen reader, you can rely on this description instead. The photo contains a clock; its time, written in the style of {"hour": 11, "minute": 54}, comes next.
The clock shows {"hour": 9, "minute": 31}
